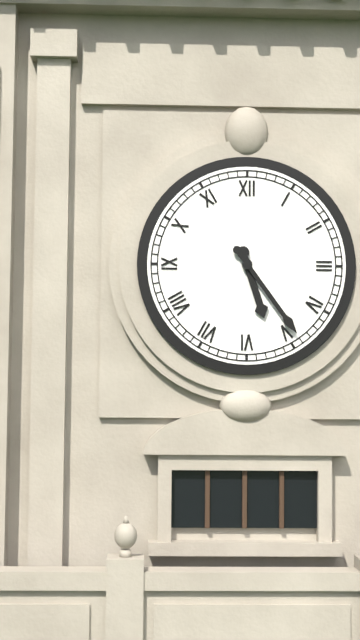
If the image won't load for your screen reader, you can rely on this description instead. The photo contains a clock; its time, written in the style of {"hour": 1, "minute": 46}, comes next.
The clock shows {"hour": 5, "minute": 24}
